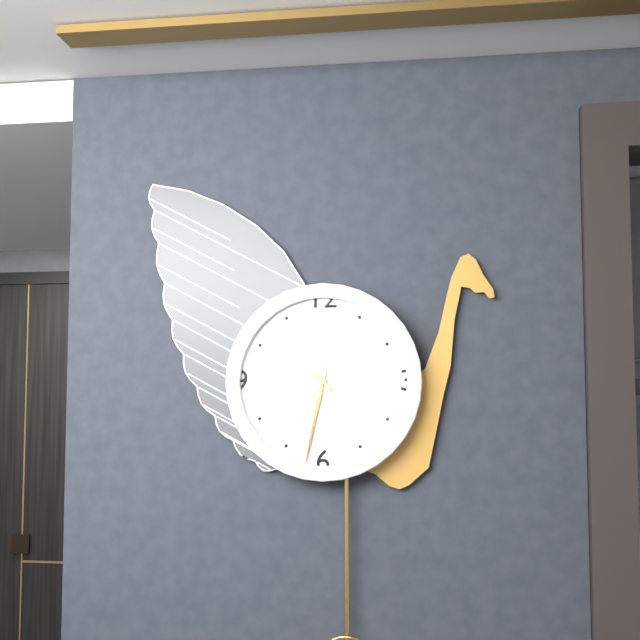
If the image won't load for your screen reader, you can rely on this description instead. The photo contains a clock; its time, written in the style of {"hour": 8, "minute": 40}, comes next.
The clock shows {"hour": 10, "minute": 32}
